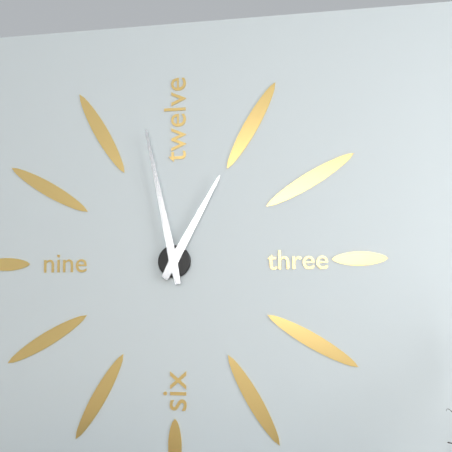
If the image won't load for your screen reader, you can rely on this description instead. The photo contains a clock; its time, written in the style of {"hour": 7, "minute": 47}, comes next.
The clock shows {"hour": 12, "minute": 58}
